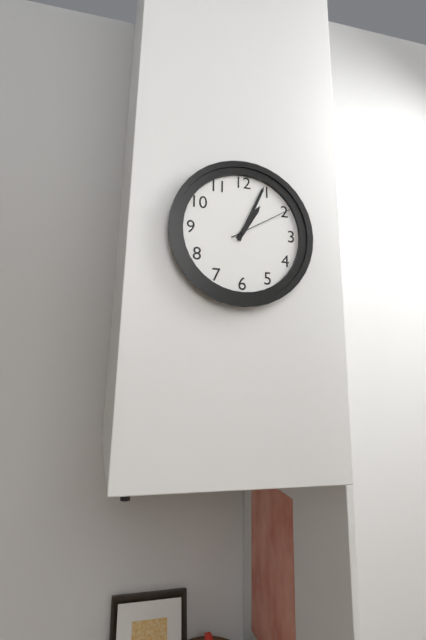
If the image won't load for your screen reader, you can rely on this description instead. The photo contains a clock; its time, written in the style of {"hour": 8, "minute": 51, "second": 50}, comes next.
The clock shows {"hour": 1, "minute": 4, "second": 10}
